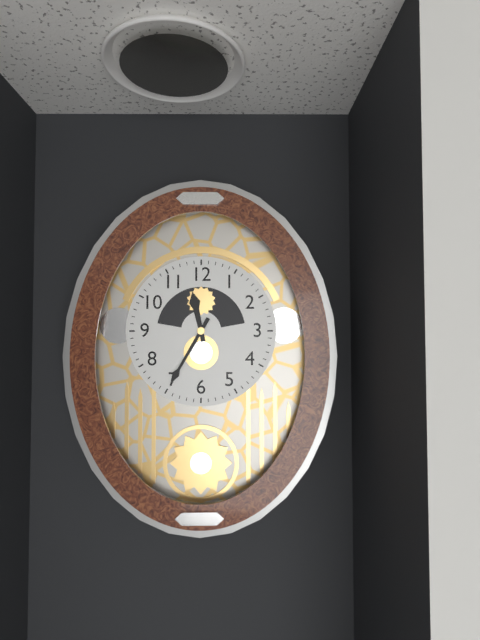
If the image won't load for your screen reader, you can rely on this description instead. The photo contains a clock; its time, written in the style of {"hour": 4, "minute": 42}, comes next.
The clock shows {"hour": 11, "minute": 35}
